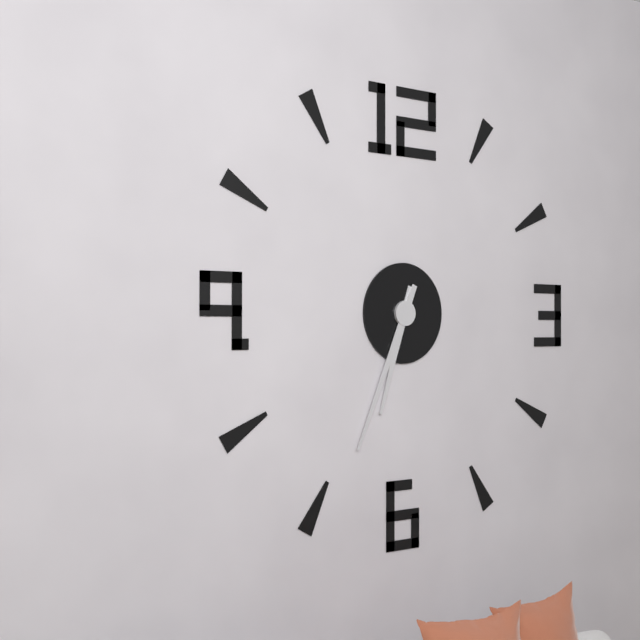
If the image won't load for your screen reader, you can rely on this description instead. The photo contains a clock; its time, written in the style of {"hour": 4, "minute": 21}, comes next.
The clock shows {"hour": 6, "minute": 34}
